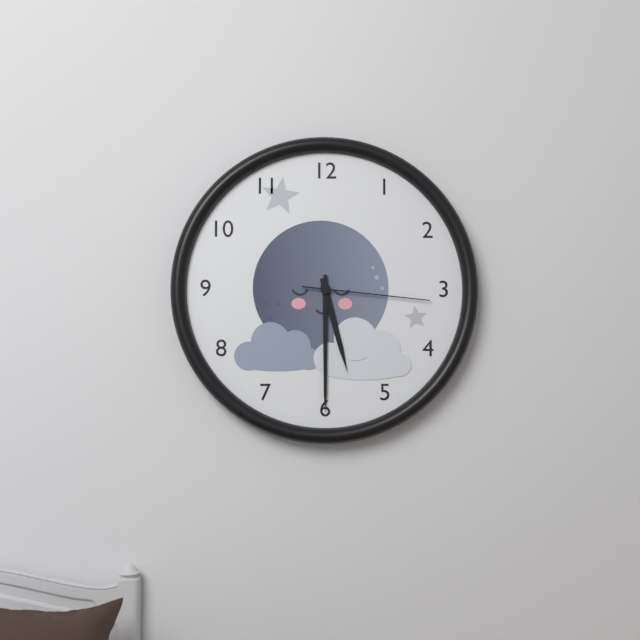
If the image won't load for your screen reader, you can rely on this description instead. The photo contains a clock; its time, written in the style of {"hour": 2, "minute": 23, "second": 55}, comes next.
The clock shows {"hour": 5, "minute": 30, "second": 16}
